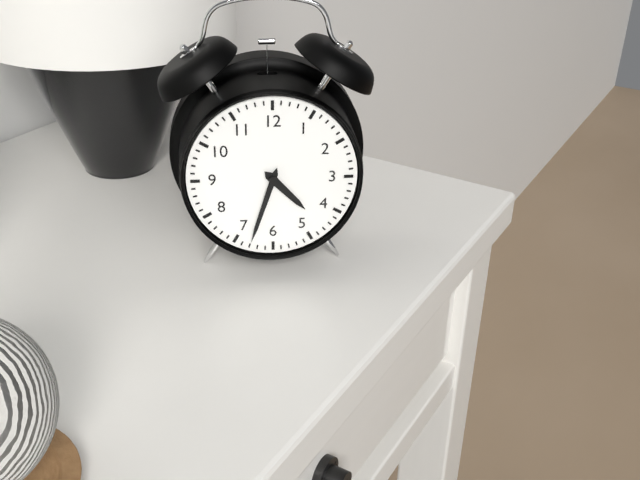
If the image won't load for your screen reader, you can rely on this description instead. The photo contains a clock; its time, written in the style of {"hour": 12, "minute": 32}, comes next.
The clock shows {"hour": 4, "minute": 33}
